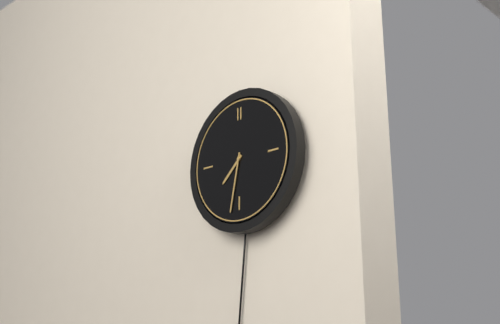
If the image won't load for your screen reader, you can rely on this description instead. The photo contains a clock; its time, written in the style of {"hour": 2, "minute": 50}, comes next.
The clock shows {"hour": 7, "minute": 32}
